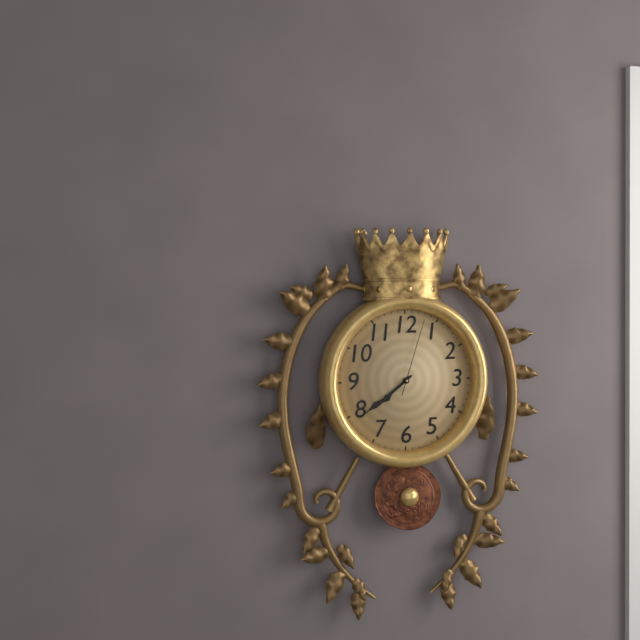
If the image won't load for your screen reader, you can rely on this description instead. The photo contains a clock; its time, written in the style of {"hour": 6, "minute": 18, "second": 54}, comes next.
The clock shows {"hour": 7, "minute": 39, "second": 3}
